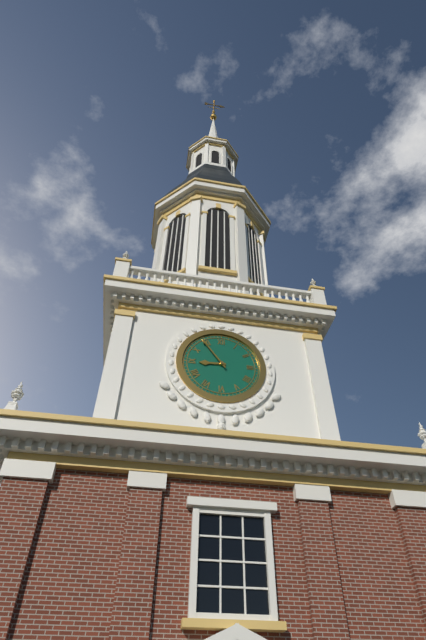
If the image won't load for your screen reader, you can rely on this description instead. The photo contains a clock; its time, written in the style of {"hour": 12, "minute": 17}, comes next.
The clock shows {"hour": 8, "minute": 54}
